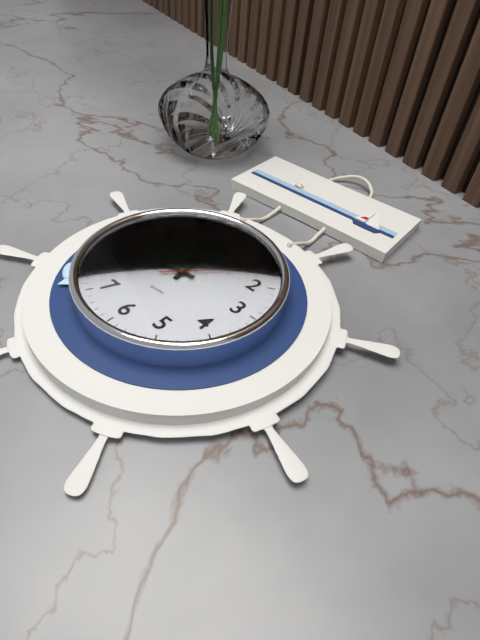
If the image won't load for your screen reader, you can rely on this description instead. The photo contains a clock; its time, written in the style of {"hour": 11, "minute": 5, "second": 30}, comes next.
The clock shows {"hour": 11, "minute": 44, "second": 7}
